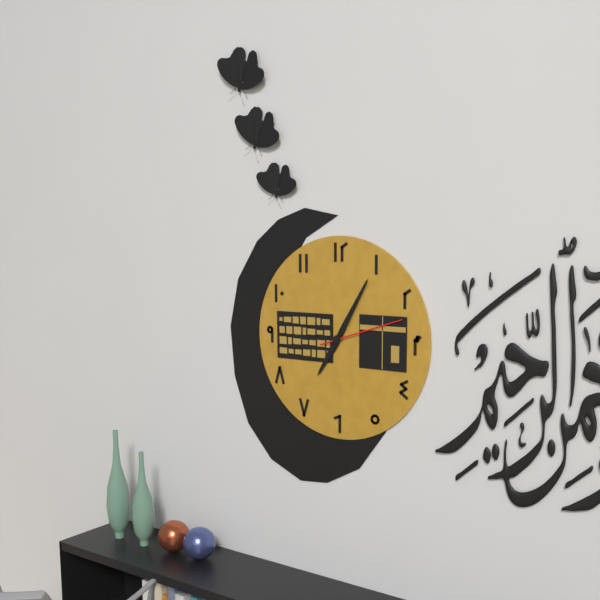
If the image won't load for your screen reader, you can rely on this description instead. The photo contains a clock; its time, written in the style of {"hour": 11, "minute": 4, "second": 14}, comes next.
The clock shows {"hour": 7, "minute": 5, "second": 12}
